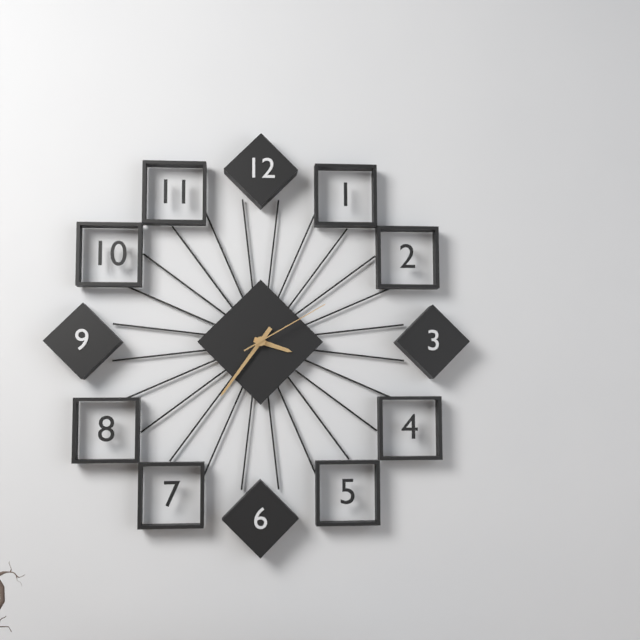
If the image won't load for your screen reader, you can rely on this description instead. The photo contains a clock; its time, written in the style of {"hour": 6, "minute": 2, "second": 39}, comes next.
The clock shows {"hour": 3, "minute": 36, "second": 10}
